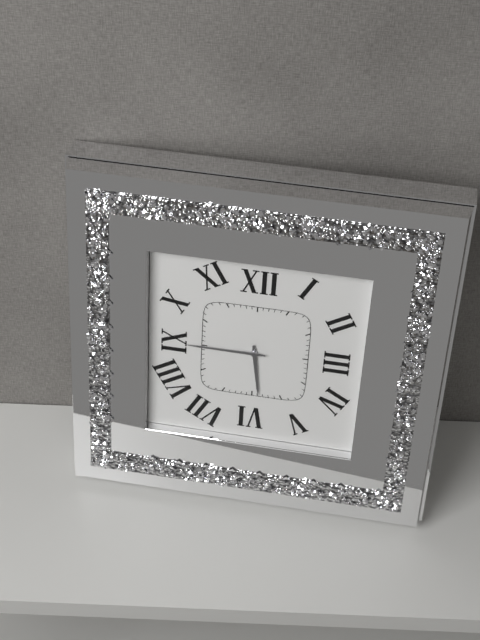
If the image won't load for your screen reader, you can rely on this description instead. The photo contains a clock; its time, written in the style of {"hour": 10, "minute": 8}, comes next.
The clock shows {"hour": 5, "minute": 45}
